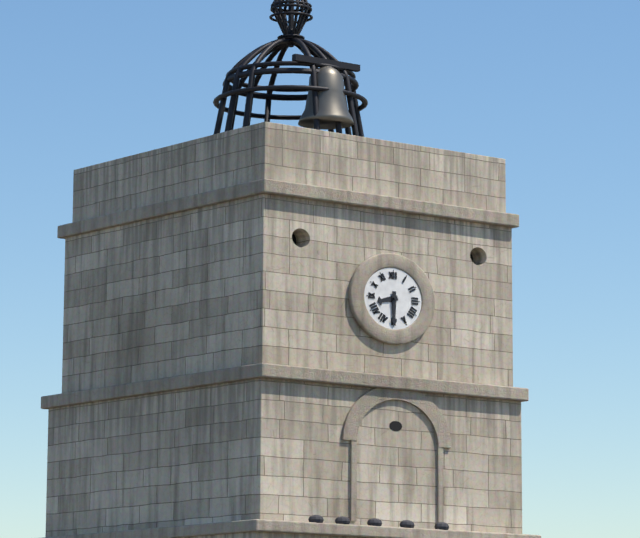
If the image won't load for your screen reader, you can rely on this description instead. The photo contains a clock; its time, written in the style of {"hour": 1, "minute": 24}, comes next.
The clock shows {"hour": 8, "minute": 30}
